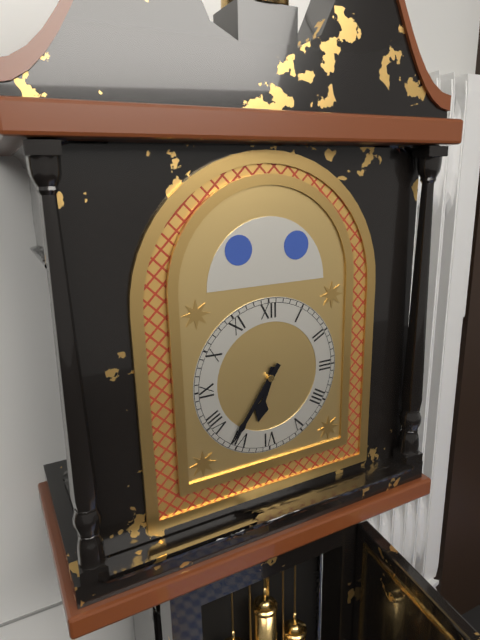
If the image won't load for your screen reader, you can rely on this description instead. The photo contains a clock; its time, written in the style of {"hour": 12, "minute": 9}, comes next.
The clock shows {"hour": 6, "minute": 36}
